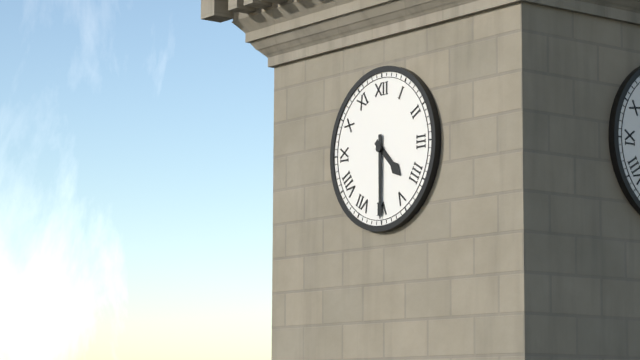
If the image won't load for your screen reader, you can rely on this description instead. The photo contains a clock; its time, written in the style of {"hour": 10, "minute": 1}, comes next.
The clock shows {"hour": 4, "minute": 30}
